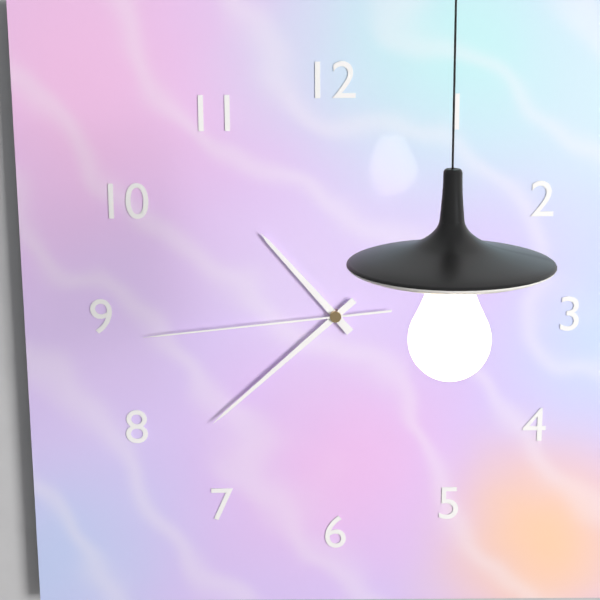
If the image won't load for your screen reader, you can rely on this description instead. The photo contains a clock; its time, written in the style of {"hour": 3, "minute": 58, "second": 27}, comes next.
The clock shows {"hour": 10, "minute": 38, "second": 44}
